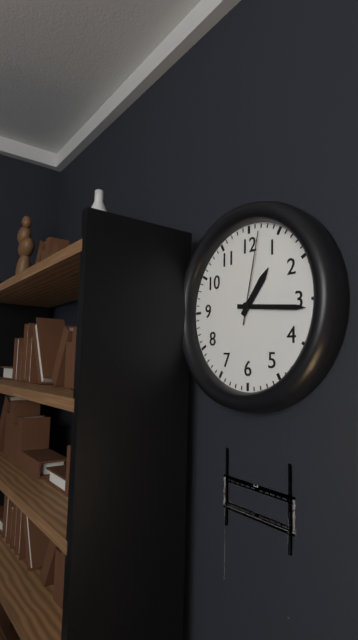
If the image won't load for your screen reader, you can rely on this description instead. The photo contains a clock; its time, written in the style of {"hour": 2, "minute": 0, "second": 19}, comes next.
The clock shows {"hour": 1, "minute": 16, "second": 2}
